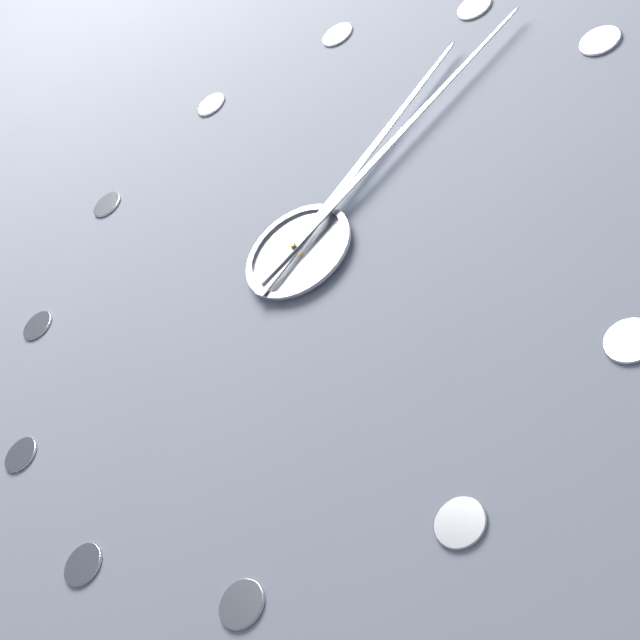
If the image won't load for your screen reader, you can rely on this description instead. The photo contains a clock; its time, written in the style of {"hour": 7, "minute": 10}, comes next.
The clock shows {"hour": 1, "minute": 7}
